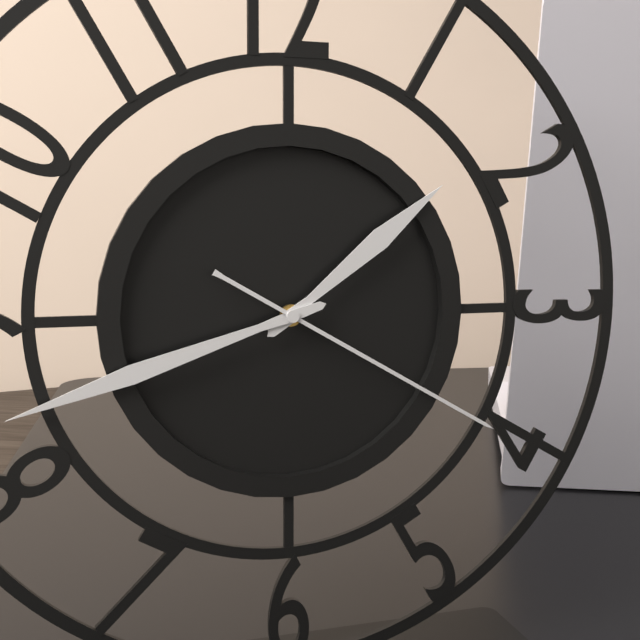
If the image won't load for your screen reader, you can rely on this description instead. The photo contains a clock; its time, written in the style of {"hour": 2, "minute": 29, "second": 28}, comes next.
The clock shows {"hour": 1, "minute": 42, "second": 20}
